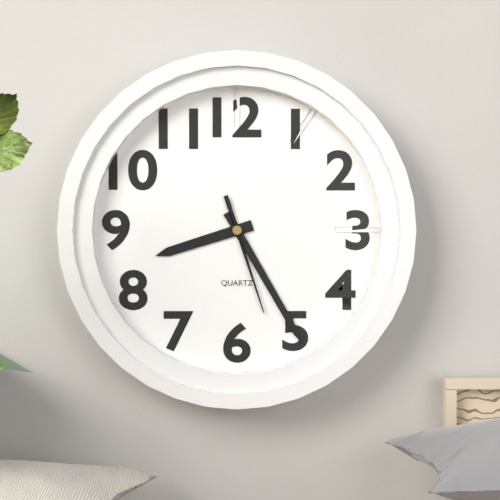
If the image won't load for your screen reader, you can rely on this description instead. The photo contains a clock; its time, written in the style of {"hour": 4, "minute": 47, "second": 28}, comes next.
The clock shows {"hour": 8, "minute": 25, "second": 27}
